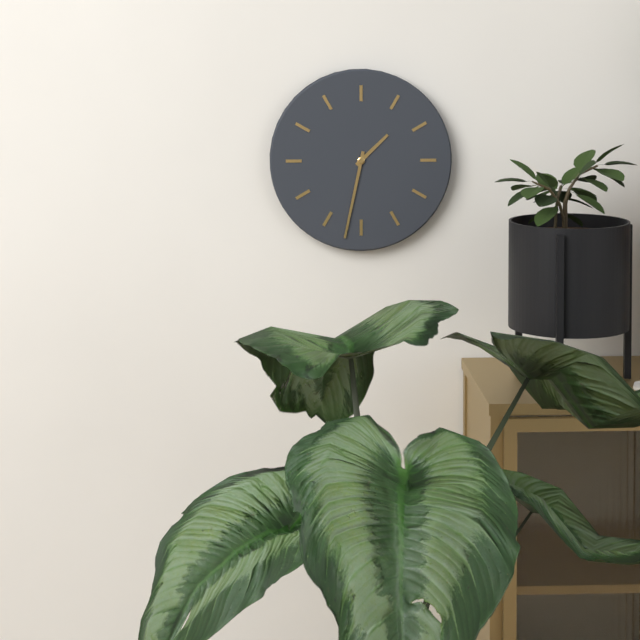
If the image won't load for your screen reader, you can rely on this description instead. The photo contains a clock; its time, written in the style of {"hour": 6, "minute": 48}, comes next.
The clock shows {"hour": 1, "minute": 32}
